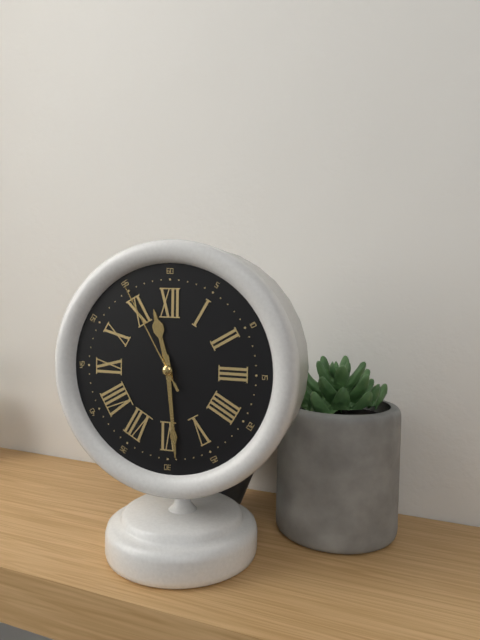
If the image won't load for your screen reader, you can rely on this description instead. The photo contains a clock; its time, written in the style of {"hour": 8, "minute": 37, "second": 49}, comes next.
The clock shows {"hour": 11, "minute": 29, "second": 55}
